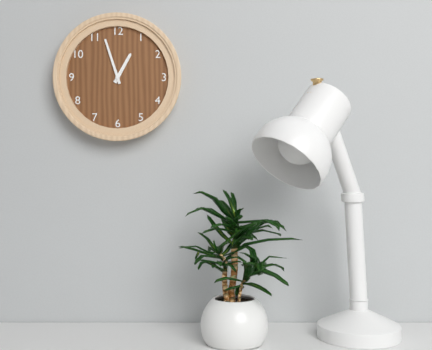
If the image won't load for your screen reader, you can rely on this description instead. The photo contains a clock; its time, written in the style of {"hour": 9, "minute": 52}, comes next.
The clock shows {"hour": 12, "minute": 57}
